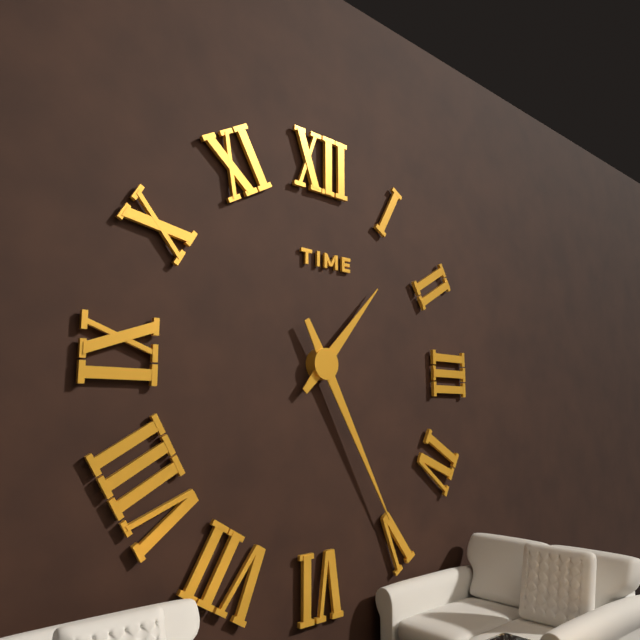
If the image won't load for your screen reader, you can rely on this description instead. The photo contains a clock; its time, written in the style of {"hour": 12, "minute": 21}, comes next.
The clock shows {"hour": 1, "minute": 25}
